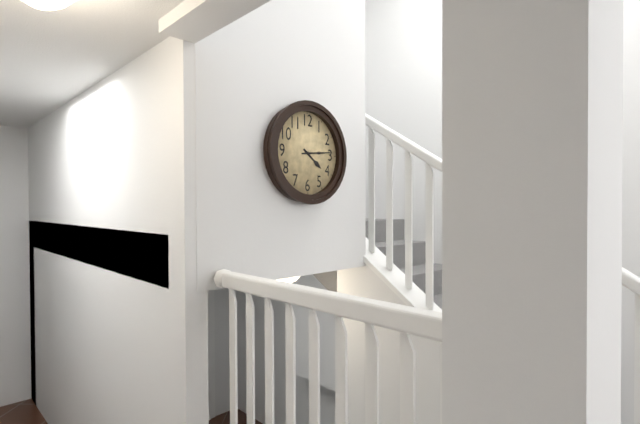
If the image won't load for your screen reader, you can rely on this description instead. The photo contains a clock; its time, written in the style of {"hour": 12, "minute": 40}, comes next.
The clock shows {"hour": 4, "minute": 14}
